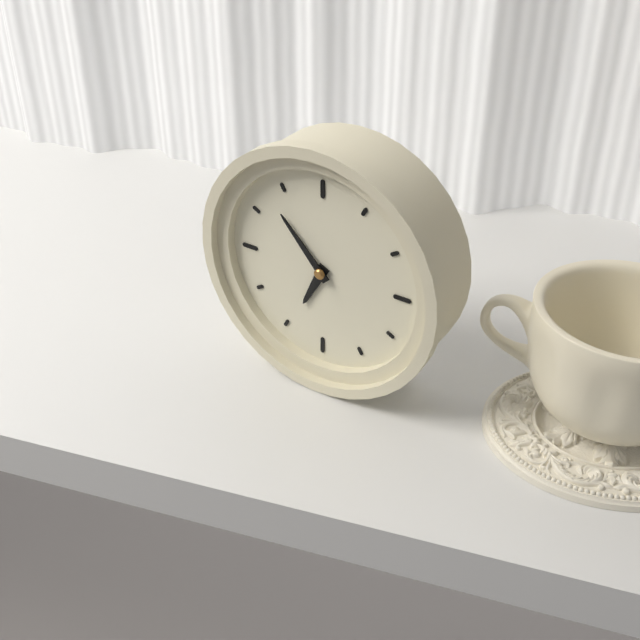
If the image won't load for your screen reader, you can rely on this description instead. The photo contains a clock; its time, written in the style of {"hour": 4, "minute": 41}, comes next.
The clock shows {"hour": 6, "minute": 53}
